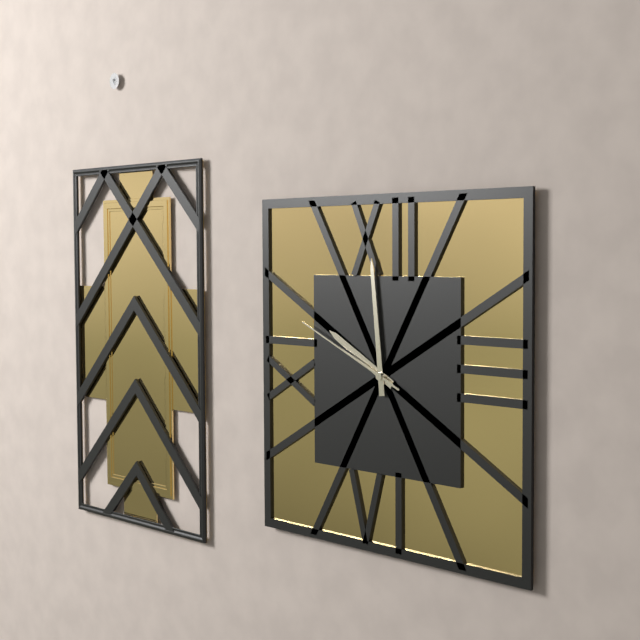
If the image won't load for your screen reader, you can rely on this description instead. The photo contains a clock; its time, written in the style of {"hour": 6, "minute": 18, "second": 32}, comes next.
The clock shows {"hour": 9, "minute": 59, "second": 49}
